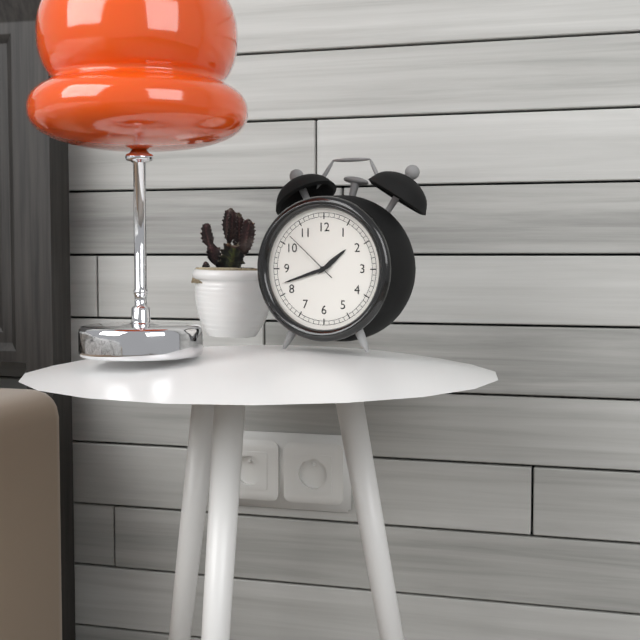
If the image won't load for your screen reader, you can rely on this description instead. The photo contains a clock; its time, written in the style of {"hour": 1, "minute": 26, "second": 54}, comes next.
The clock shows {"hour": 1, "minute": 42, "second": 52}
